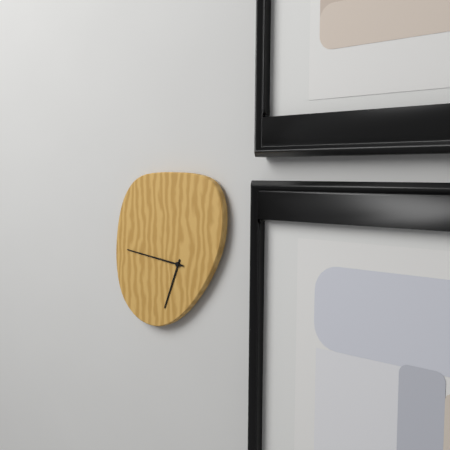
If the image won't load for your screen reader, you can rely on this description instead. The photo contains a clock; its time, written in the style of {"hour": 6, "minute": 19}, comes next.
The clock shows {"hour": 6, "minute": 46}
